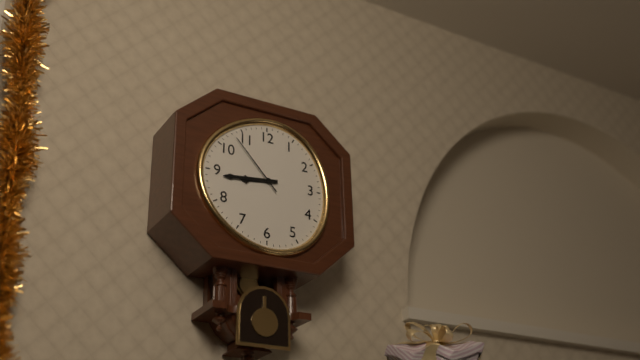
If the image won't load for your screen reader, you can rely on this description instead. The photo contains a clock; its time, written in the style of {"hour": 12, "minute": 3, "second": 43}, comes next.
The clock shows {"hour": 8, "minute": 44, "second": 53}
